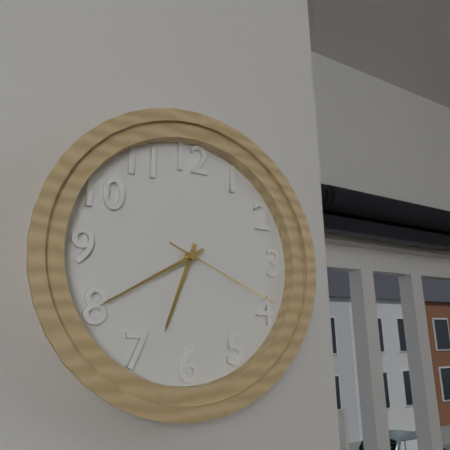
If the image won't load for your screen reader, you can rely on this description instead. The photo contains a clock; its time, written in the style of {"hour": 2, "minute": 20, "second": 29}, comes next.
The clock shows {"hour": 6, "minute": 40, "second": 19}
